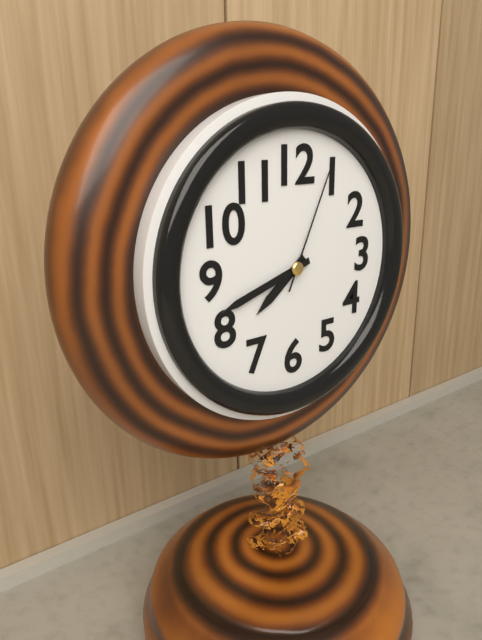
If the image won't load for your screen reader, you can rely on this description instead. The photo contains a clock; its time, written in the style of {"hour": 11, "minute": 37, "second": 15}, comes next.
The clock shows {"hour": 7, "minute": 42, "second": 4}
